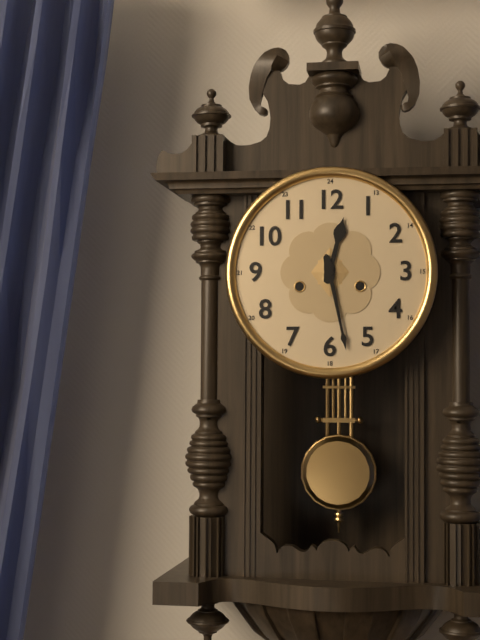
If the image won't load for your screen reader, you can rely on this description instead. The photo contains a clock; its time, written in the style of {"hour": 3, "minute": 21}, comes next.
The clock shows {"hour": 12, "minute": 28}
